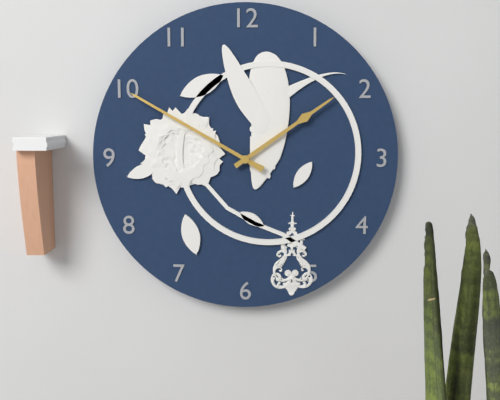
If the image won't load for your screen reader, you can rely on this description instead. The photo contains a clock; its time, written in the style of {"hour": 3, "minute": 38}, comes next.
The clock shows {"hour": 1, "minute": 50}
